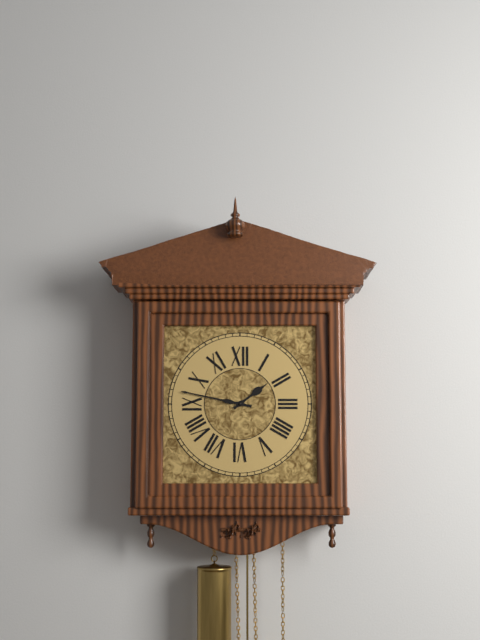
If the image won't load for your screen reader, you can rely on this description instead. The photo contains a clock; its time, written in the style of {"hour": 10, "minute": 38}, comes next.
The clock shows {"hour": 1, "minute": 47}
